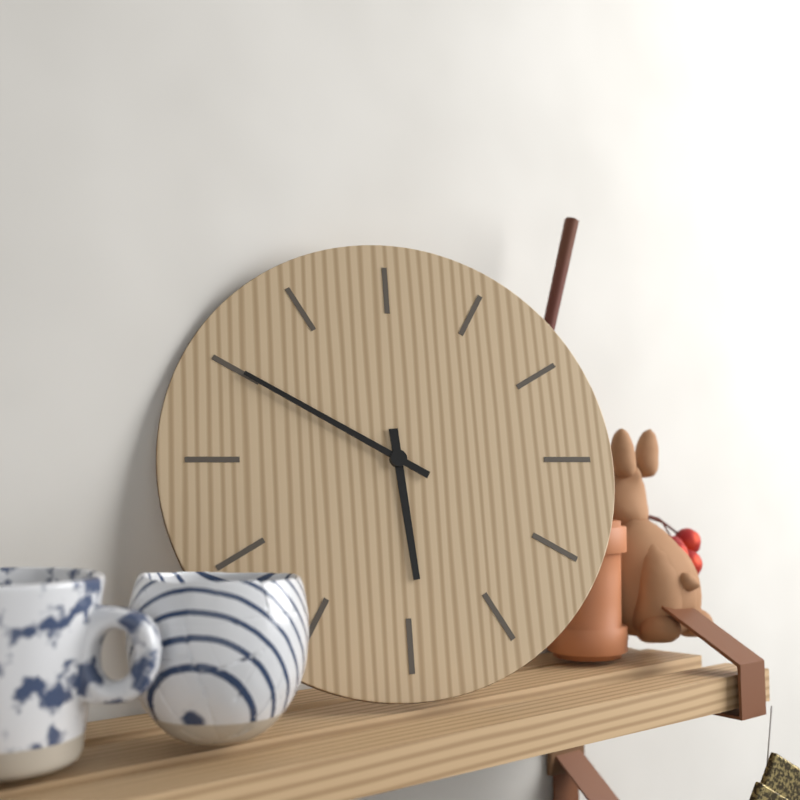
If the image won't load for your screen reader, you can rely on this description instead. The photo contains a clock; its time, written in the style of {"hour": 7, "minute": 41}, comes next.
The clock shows {"hour": 5, "minute": 50}
